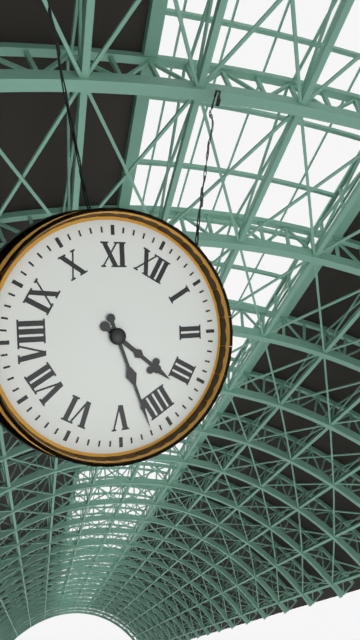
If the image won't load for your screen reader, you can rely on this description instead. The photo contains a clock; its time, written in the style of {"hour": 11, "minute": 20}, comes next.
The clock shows {"hour": 3, "minute": 22}
